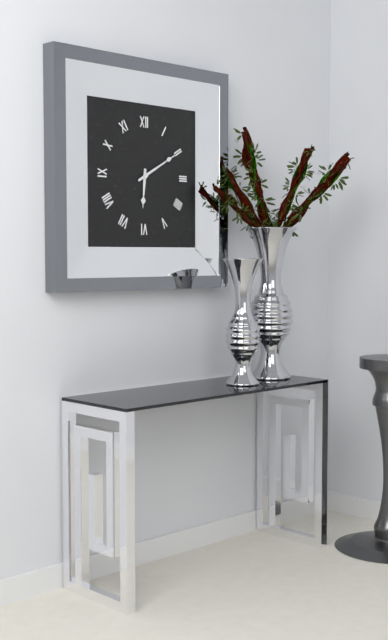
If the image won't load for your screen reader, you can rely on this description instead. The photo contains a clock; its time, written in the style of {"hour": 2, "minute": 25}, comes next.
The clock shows {"hour": 6, "minute": 10}
